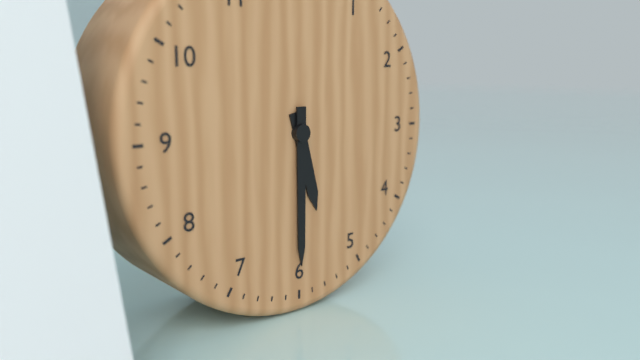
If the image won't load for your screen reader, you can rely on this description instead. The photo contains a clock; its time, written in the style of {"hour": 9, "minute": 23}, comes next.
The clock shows {"hour": 5, "minute": 30}
